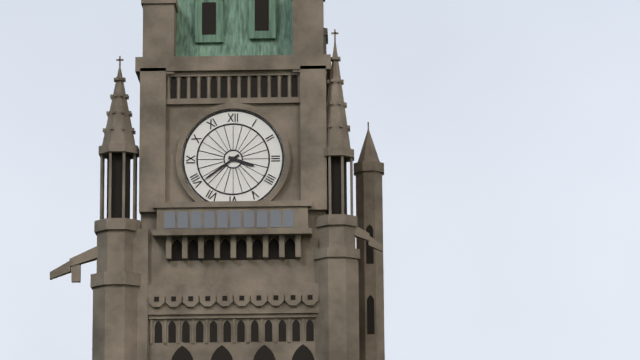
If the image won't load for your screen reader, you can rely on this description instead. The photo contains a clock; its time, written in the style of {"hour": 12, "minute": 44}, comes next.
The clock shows {"hour": 3, "minute": 39}
